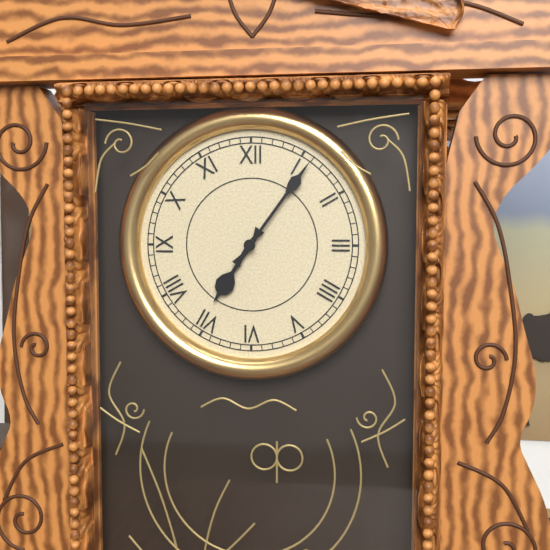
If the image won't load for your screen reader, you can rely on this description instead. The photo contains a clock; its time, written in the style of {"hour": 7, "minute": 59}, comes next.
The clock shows {"hour": 7, "minute": 6}
